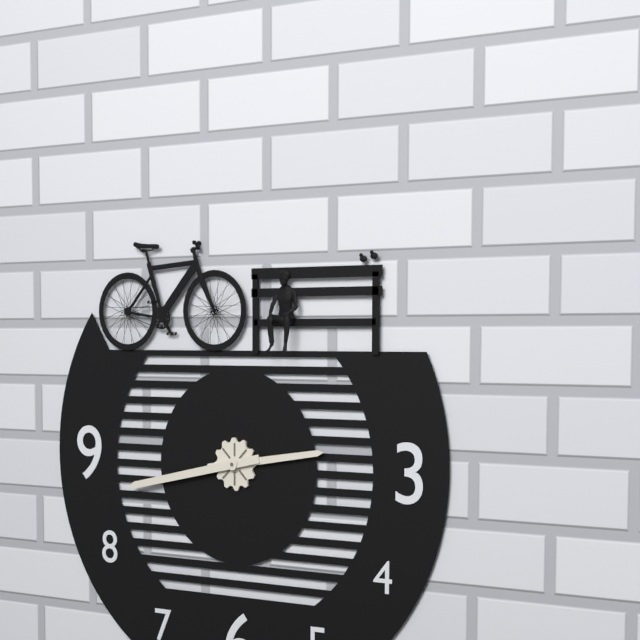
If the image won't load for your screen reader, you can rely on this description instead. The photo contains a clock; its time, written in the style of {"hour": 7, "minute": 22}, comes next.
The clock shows {"hour": 2, "minute": 43}
